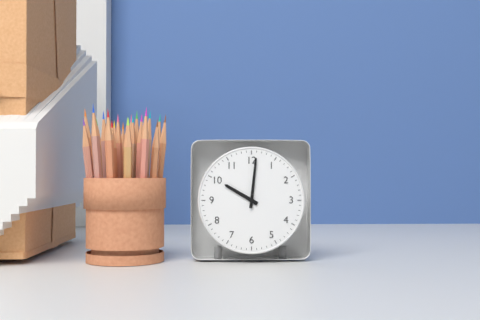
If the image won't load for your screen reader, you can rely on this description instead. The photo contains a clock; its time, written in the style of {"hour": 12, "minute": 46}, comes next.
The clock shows {"hour": 10, "minute": 1}
